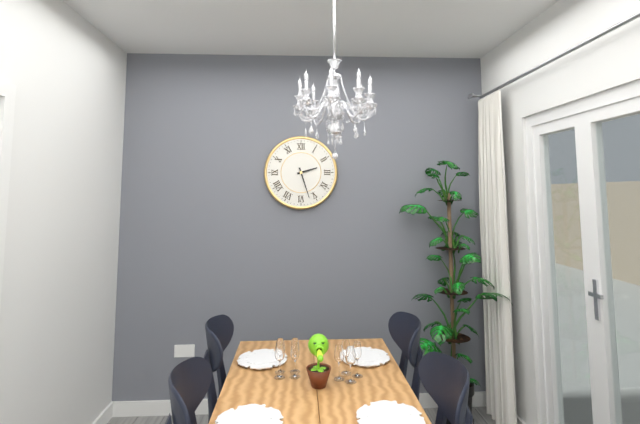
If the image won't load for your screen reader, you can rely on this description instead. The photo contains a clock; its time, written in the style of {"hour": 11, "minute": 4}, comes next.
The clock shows {"hour": 2, "minute": 27}
